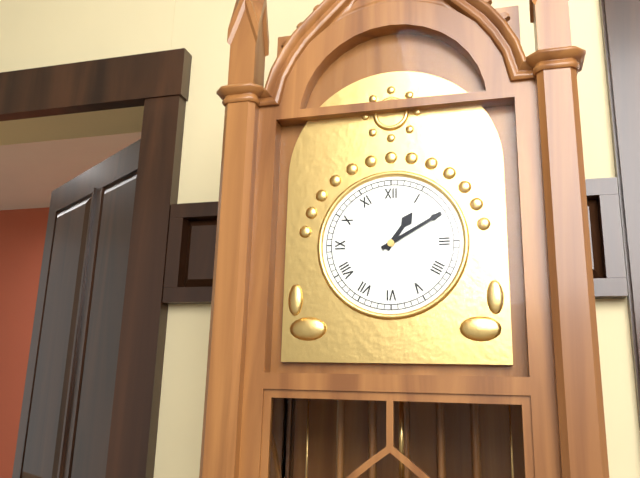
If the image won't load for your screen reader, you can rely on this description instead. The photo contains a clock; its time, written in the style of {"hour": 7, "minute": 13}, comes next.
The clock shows {"hour": 1, "minute": 10}
